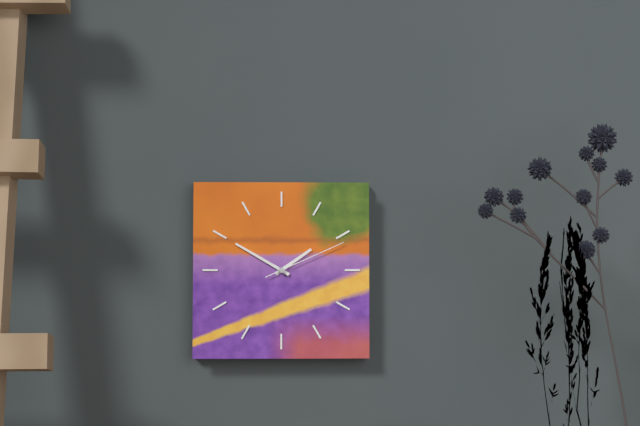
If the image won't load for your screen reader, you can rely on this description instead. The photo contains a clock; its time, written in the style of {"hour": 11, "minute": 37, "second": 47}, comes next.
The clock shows {"hour": 1, "minute": 50, "second": 11}
